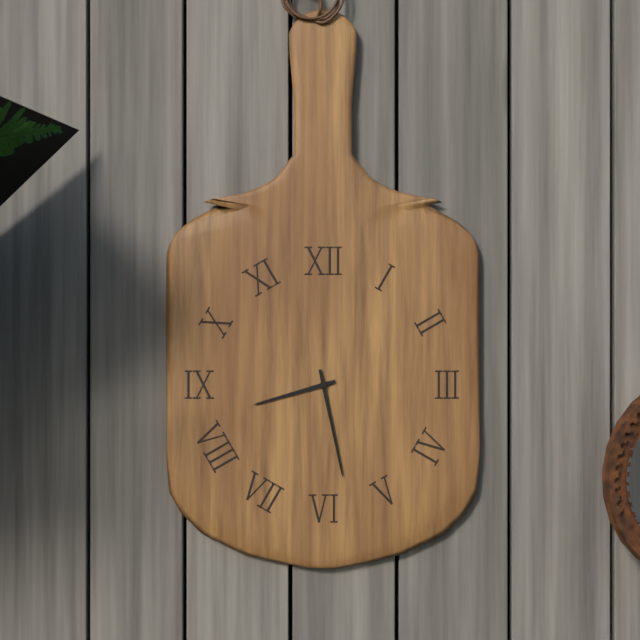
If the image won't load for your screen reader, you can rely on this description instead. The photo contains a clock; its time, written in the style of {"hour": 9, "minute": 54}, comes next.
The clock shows {"hour": 8, "minute": 28}
